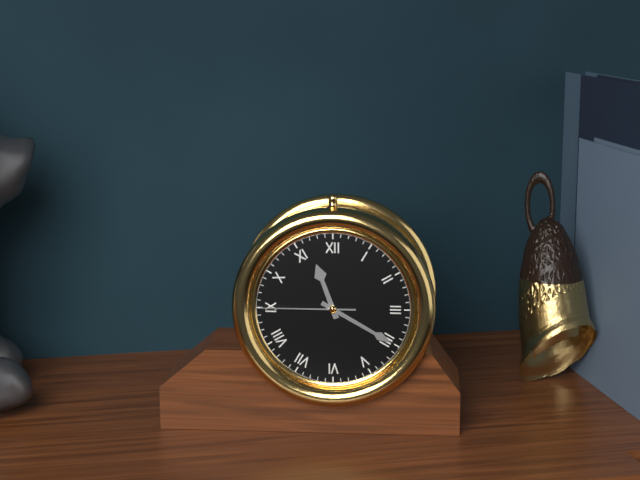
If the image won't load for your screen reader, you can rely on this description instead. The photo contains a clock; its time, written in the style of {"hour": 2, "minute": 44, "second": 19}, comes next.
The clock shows {"hour": 11, "minute": 20, "second": 45}
